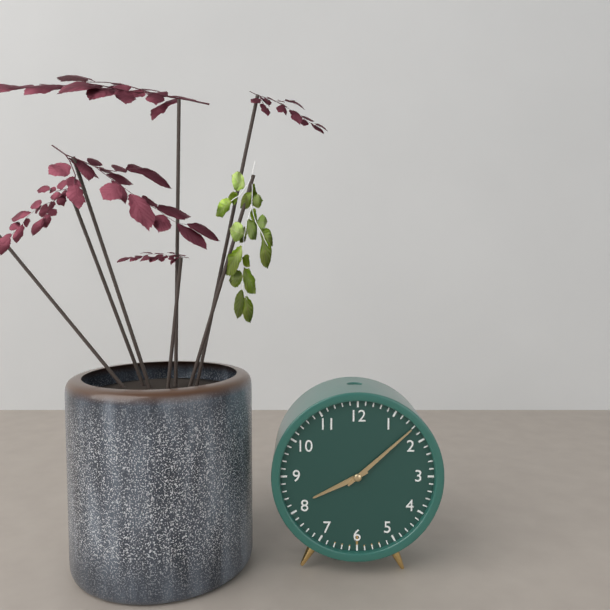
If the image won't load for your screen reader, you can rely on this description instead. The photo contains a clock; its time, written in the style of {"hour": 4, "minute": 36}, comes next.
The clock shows {"hour": 8, "minute": 8}
